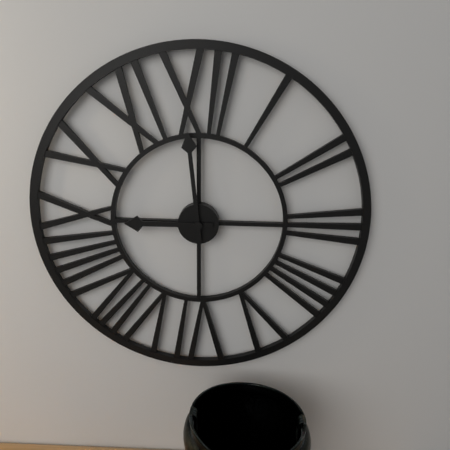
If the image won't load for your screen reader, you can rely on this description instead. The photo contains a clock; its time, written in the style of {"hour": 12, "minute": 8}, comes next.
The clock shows {"hour": 8, "minute": 59}
